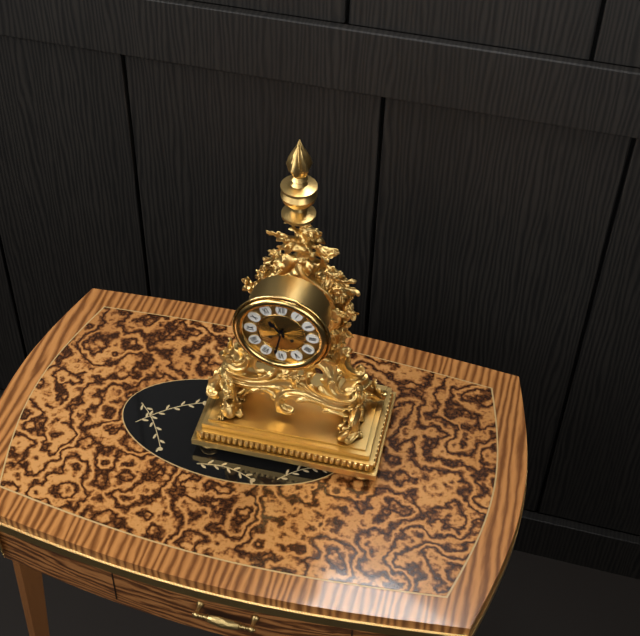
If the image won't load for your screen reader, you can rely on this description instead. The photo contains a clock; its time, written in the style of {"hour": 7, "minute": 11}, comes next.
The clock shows {"hour": 10, "minute": 32}
